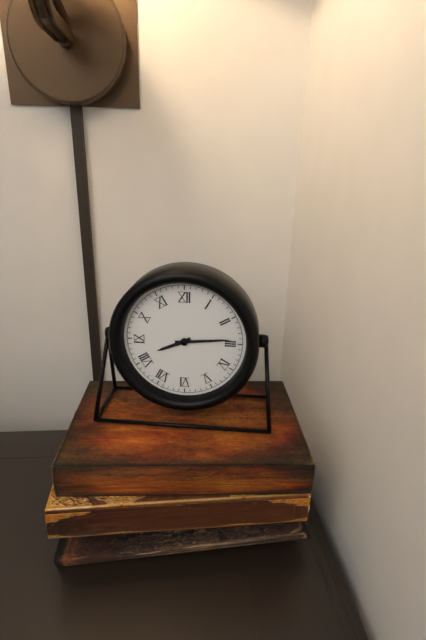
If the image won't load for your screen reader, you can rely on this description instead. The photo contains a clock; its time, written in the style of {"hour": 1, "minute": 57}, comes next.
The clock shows {"hour": 8, "minute": 14}
